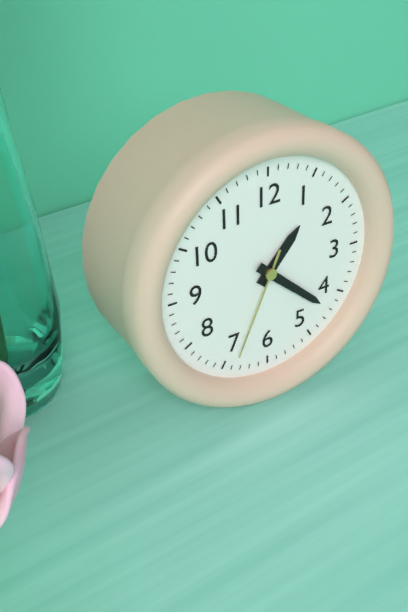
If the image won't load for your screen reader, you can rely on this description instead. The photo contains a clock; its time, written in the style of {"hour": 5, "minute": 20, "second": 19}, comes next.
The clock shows {"hour": 1, "minute": 22, "second": 34}
